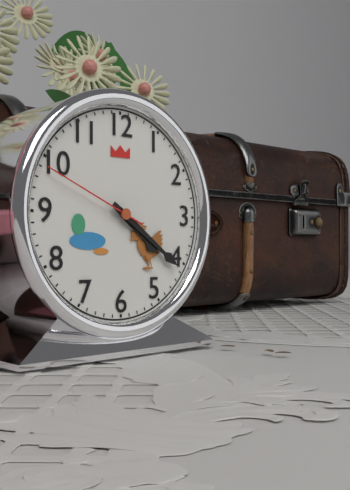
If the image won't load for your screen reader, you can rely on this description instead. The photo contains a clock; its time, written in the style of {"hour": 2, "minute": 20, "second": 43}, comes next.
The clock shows {"hour": 4, "minute": 21, "second": 49}
